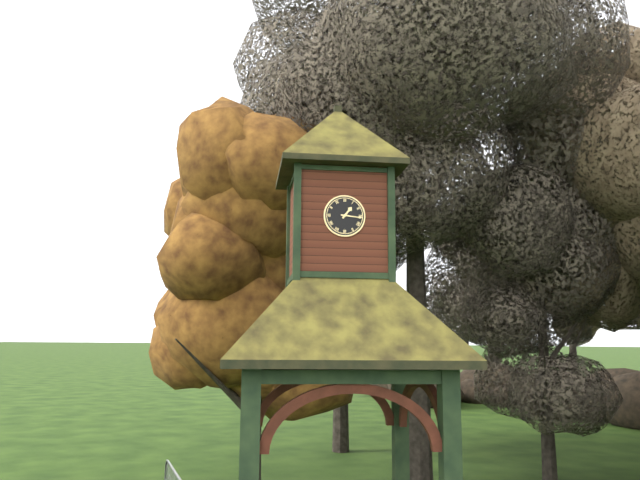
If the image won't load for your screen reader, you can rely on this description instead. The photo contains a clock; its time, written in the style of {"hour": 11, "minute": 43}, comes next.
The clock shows {"hour": 1, "minute": 16}
